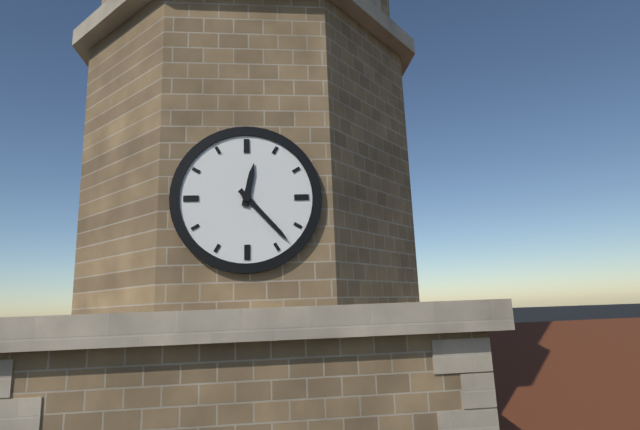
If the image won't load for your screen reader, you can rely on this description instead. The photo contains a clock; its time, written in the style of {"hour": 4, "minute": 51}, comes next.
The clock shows {"hour": 12, "minute": 23}
